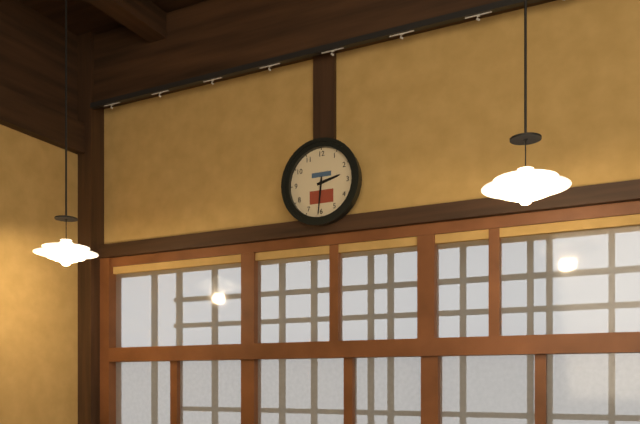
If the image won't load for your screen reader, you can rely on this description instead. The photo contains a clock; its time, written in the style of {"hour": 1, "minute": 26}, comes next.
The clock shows {"hour": 2, "minute": 31}
